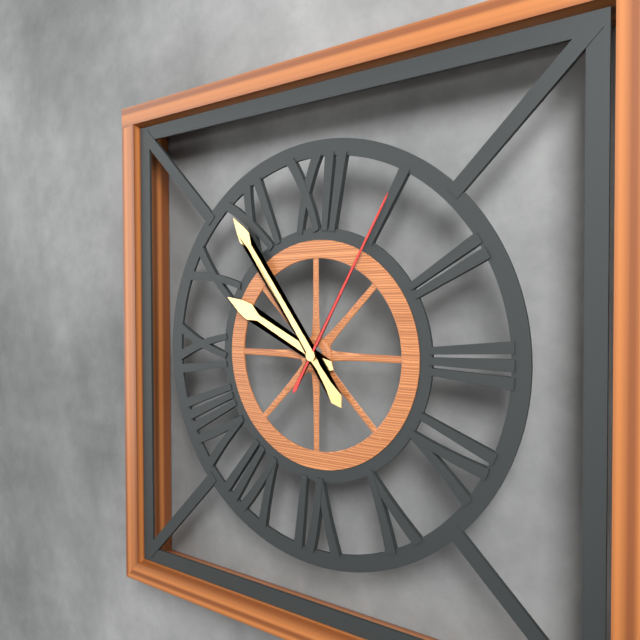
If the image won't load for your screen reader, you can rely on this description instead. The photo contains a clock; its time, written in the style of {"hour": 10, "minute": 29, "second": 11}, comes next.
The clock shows {"hour": 9, "minute": 54, "second": 5}
